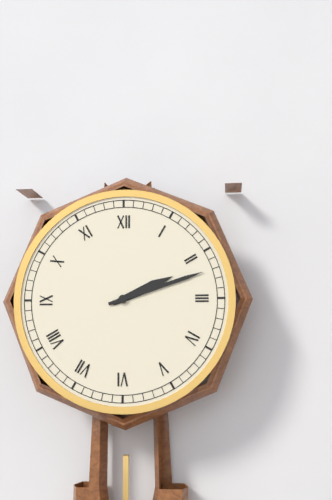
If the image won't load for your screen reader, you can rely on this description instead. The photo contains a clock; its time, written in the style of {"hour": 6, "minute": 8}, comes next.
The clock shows {"hour": 2, "minute": 12}
